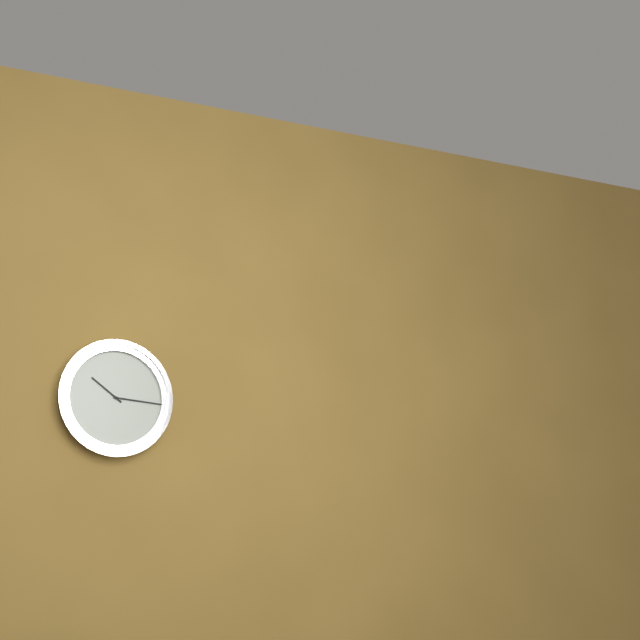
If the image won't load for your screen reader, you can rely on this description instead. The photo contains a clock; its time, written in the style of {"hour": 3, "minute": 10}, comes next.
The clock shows {"hour": 10, "minute": 16}
